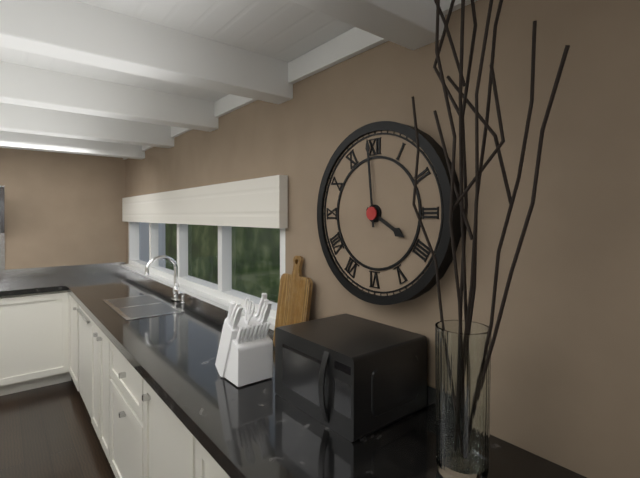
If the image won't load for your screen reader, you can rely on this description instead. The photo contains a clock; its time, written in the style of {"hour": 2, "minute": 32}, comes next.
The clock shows {"hour": 3, "minute": 59}
